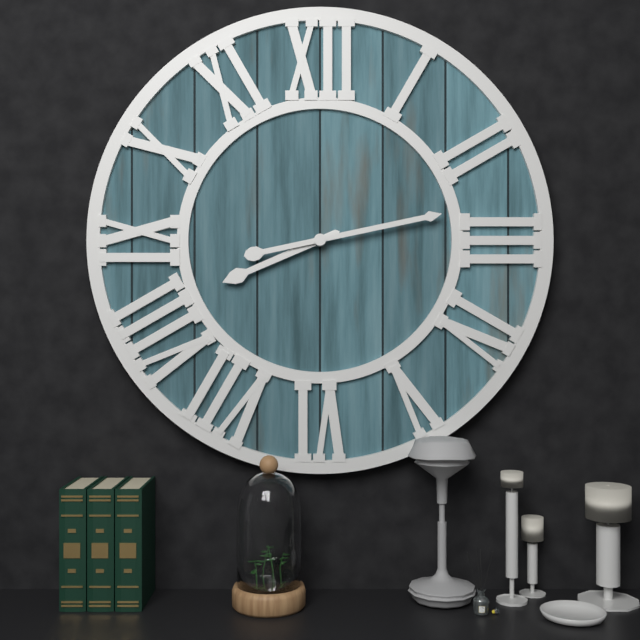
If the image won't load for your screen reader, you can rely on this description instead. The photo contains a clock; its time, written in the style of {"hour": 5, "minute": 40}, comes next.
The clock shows {"hour": 8, "minute": 13}
